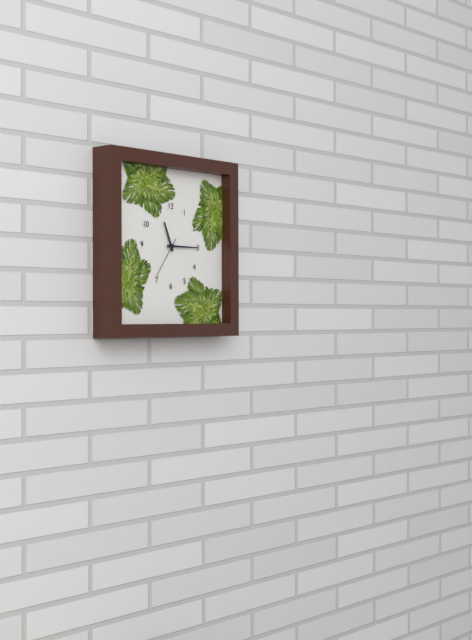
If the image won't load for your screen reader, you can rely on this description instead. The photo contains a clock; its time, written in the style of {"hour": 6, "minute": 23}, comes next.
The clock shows {"hour": 11, "minute": 15}
